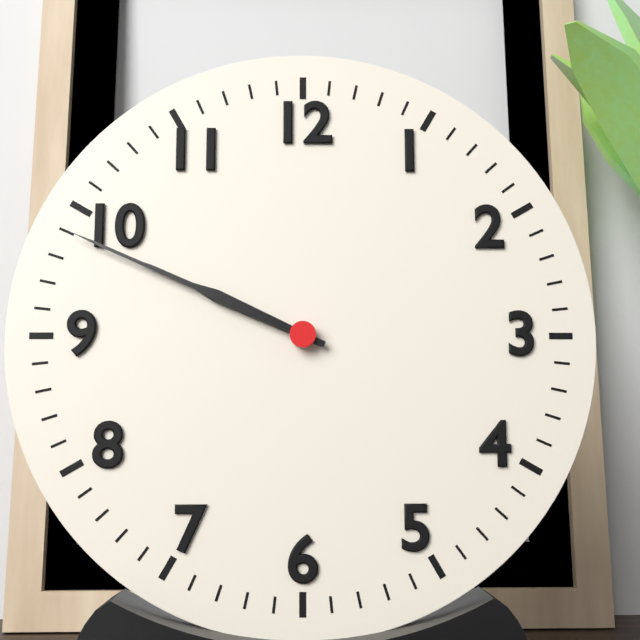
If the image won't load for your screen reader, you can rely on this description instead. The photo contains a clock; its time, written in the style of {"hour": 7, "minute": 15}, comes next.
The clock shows {"hour": 9, "minute": 49}
